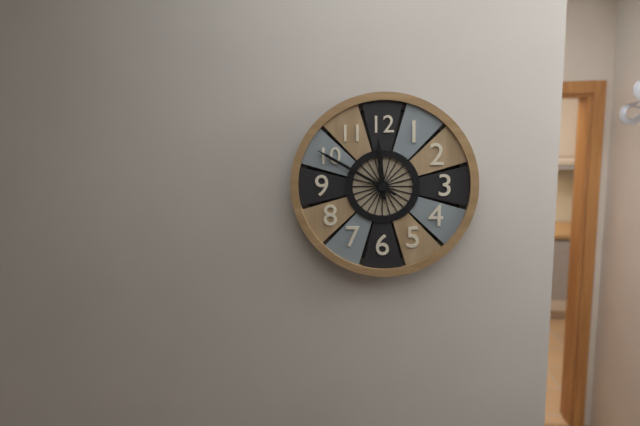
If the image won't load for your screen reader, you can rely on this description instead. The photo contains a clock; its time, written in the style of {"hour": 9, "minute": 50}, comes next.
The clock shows {"hour": 11, "minute": 50}
